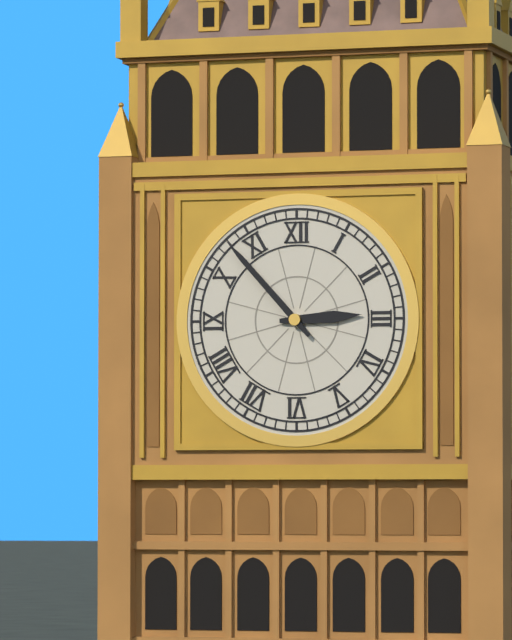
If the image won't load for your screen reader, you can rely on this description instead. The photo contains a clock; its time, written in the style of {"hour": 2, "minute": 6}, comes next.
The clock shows {"hour": 2, "minute": 53}
